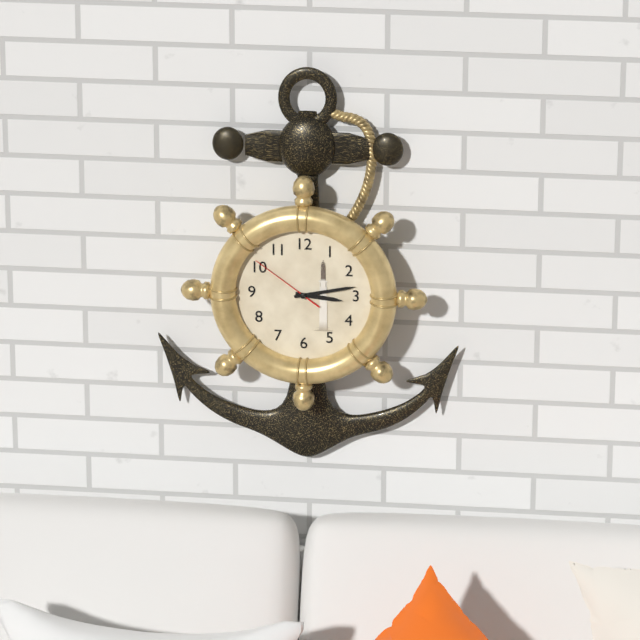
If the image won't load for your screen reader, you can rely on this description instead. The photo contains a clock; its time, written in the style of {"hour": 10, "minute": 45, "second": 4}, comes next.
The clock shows {"hour": 3, "minute": 13, "second": 51}
